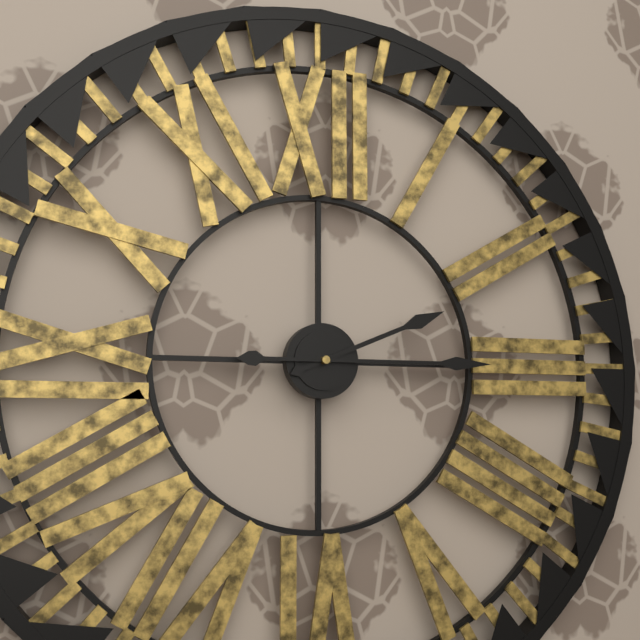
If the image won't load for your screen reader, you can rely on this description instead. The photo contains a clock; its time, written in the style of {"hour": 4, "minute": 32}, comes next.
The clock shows {"hour": 2, "minute": 15}
